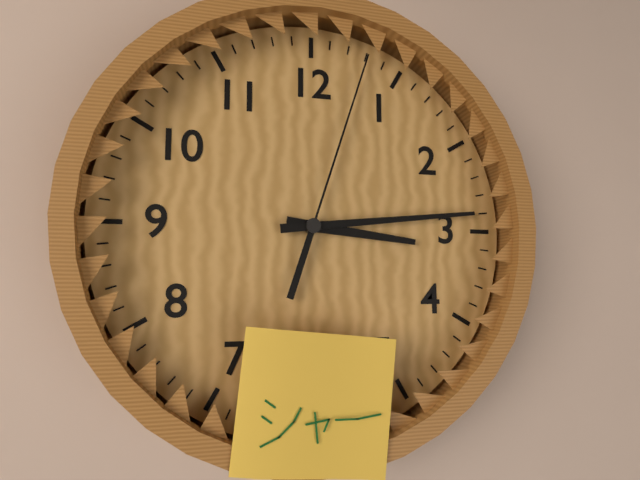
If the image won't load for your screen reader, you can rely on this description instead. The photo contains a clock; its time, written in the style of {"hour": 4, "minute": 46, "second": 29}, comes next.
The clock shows {"hour": 3, "minute": 14, "second": 3}
